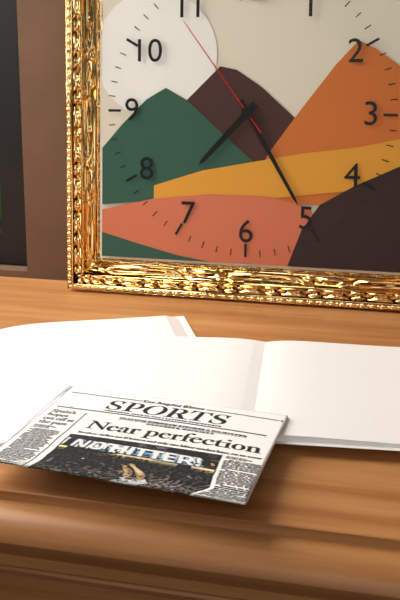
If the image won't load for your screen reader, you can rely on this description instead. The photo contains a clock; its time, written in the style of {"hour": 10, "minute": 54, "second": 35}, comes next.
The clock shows {"hour": 7, "minute": 25, "second": 54}
